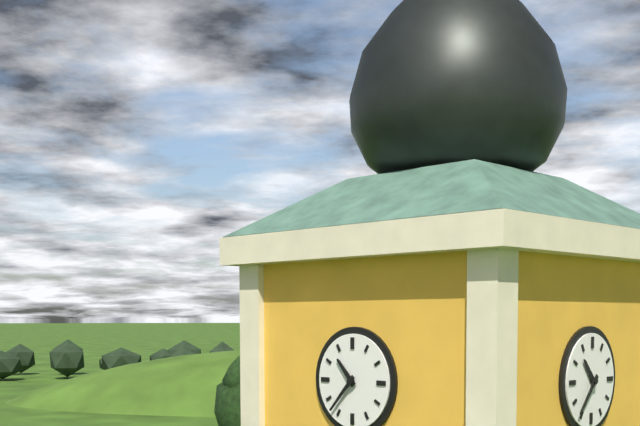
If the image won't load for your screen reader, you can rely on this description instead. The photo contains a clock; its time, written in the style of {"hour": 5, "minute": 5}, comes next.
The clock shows {"hour": 10, "minute": 37}
